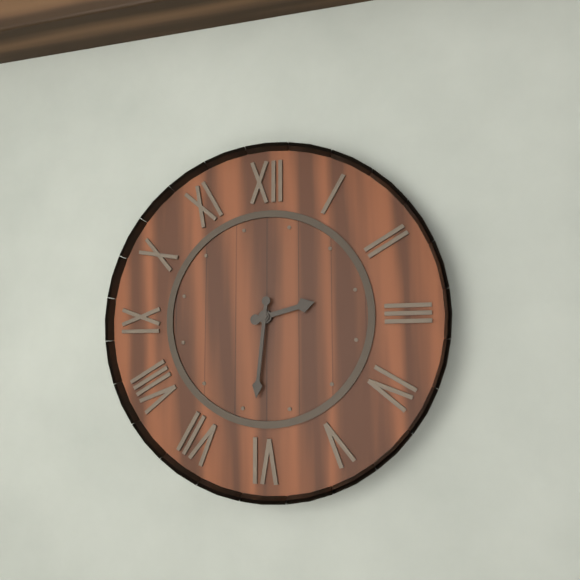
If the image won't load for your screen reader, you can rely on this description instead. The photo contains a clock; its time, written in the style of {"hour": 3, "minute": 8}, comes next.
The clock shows {"hour": 2, "minute": 31}
